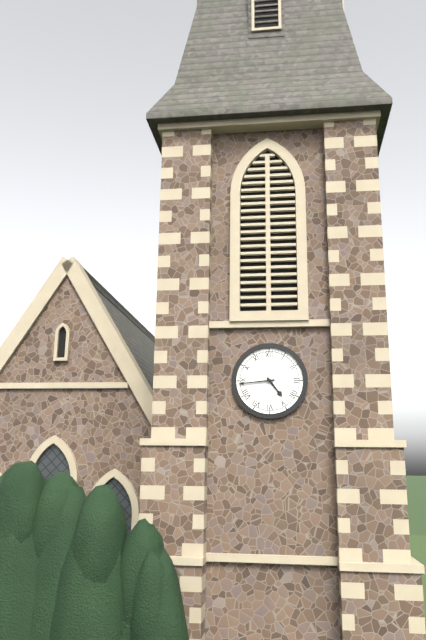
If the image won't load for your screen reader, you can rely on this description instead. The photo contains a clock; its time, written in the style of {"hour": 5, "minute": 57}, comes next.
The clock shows {"hour": 4, "minute": 44}
